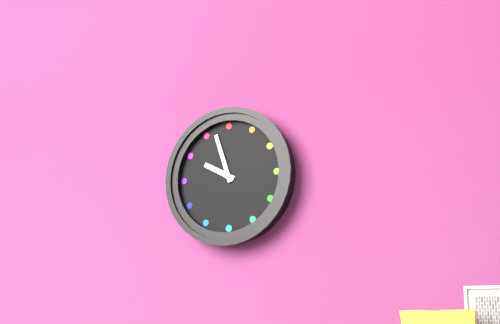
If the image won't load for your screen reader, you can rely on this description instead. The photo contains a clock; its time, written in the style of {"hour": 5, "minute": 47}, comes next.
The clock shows {"hour": 9, "minute": 57}
